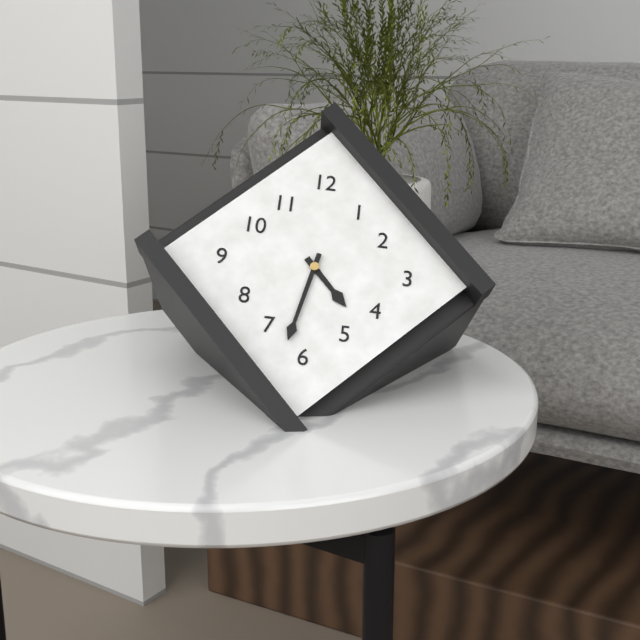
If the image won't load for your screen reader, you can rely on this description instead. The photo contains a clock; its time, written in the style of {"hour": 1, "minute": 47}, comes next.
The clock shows {"hour": 4, "minute": 32}
